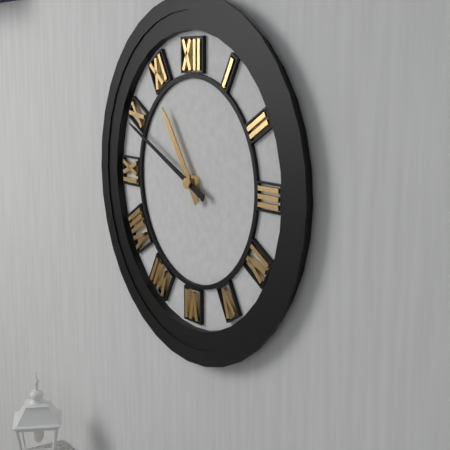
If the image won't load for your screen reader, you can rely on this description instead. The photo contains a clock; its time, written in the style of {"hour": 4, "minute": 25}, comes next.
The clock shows {"hour": 10, "minute": 49}
